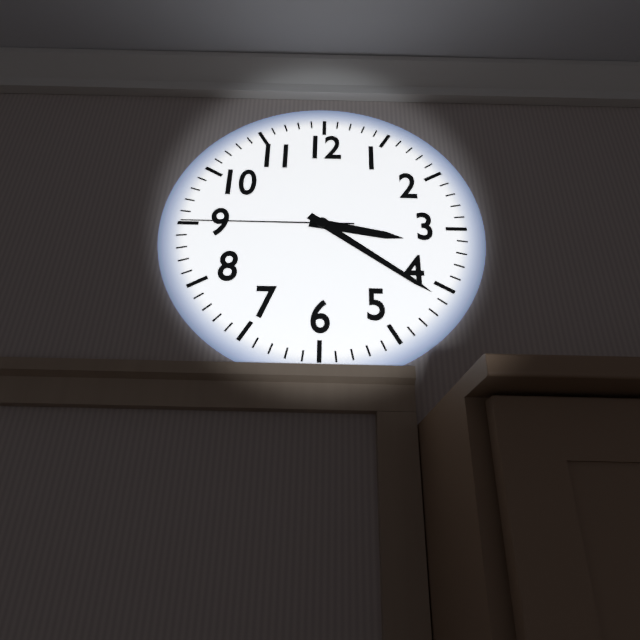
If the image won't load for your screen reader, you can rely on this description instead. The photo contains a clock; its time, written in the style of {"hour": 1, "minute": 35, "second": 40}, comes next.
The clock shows {"hour": 3, "minute": 21, "second": 45}
